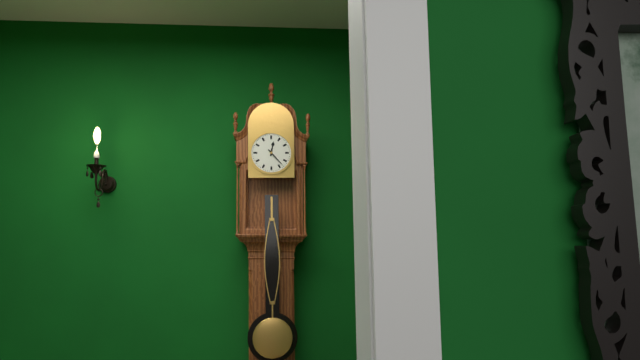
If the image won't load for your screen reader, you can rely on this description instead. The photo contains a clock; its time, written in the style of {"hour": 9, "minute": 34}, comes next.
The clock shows {"hour": 12, "minute": 23}
